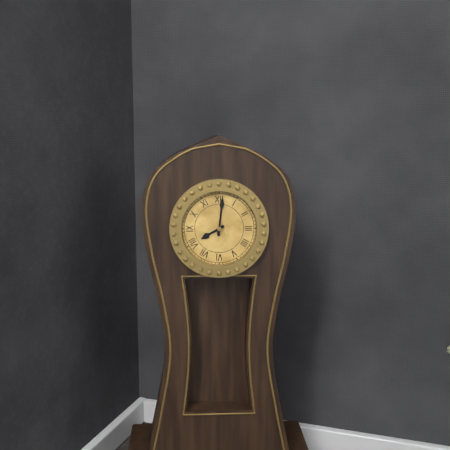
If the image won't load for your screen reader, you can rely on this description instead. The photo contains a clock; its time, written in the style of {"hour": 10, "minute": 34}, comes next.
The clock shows {"hour": 8, "minute": 1}
